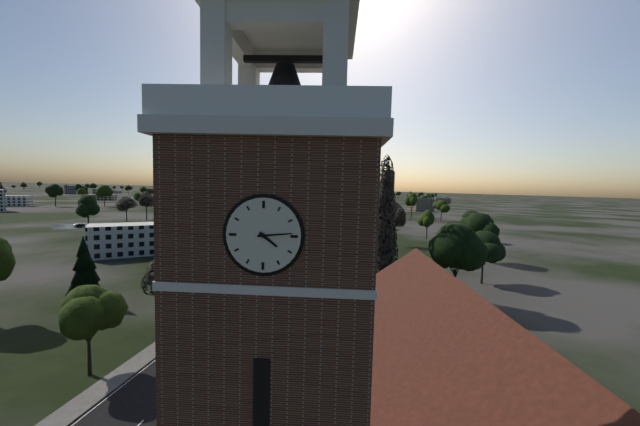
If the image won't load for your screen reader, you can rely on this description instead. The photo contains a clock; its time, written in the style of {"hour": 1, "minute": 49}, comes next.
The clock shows {"hour": 4, "minute": 14}
